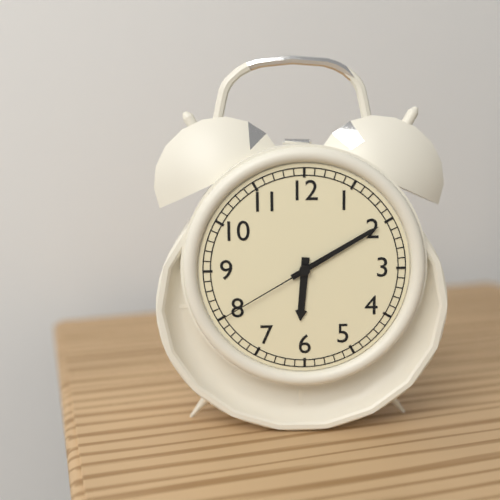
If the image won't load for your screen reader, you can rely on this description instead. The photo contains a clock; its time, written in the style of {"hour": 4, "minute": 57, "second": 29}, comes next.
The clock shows {"hour": 6, "minute": 10, "second": 40}
